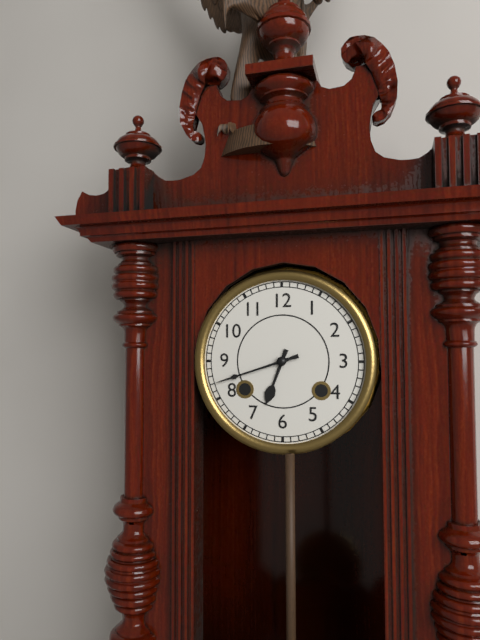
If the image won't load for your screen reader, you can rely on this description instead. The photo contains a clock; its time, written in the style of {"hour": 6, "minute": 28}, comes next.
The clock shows {"hour": 6, "minute": 42}
